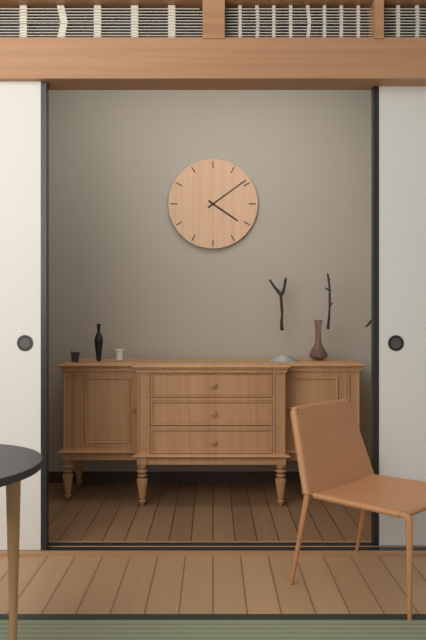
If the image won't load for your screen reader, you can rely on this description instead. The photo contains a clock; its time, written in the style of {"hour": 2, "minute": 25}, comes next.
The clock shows {"hour": 4, "minute": 9}
